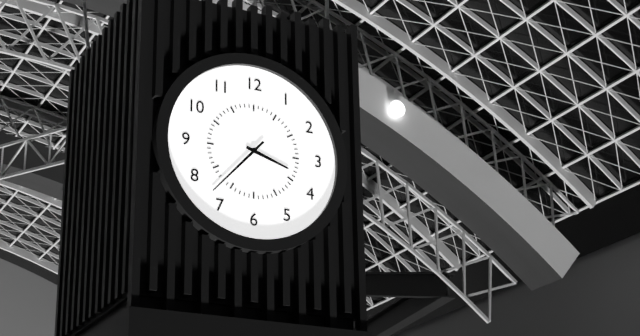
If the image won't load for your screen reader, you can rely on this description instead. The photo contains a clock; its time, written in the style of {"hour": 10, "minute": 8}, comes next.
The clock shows {"hour": 3, "minute": 37}
